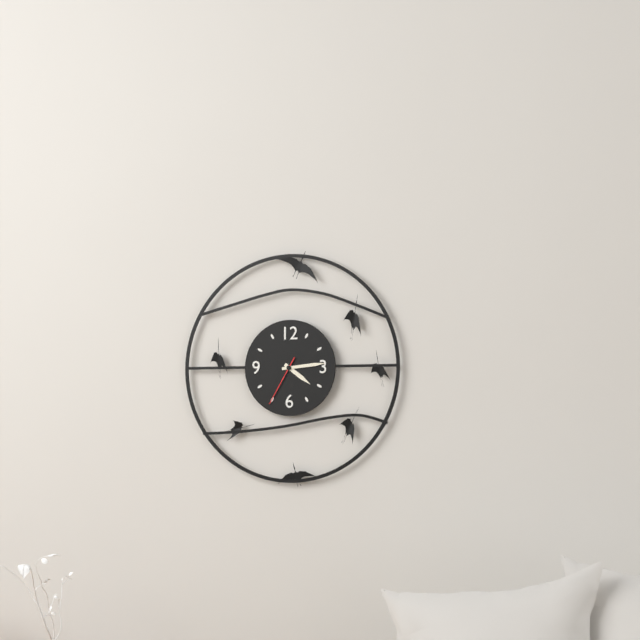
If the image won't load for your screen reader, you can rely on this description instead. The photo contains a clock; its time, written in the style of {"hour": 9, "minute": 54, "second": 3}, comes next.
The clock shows {"hour": 4, "minute": 14, "second": 35}
